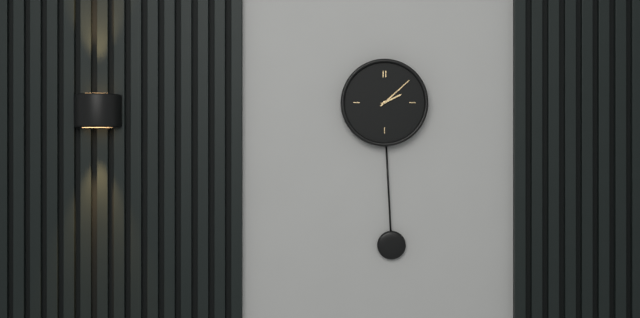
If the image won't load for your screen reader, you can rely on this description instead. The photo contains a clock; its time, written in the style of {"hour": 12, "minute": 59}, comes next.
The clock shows {"hour": 2, "minute": 8}
